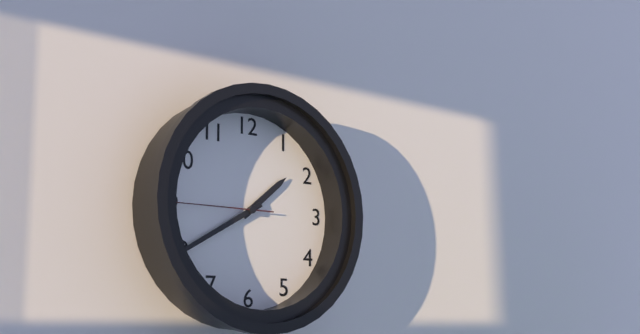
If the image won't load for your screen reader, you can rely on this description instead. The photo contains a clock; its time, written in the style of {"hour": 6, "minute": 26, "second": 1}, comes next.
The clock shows {"hour": 1, "minute": 40, "second": 45}
